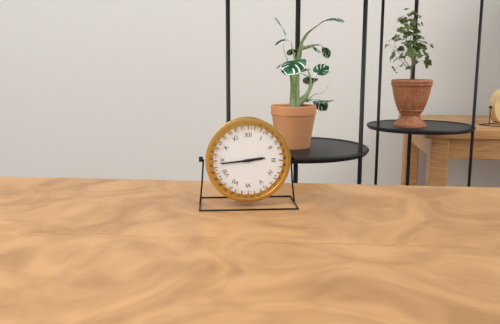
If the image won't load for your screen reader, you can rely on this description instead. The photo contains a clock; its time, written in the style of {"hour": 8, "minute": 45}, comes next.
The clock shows {"hour": 2, "minute": 44}
